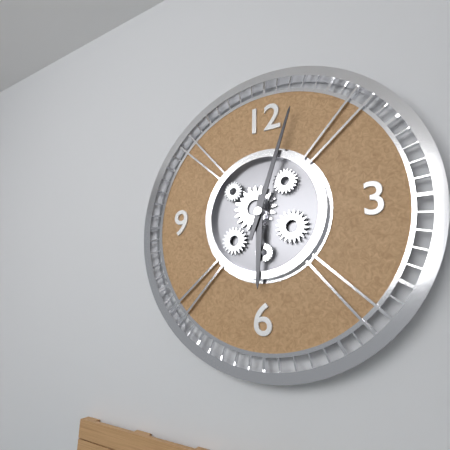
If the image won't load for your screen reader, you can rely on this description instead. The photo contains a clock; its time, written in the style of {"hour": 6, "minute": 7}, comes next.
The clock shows {"hour": 6, "minute": 3}
